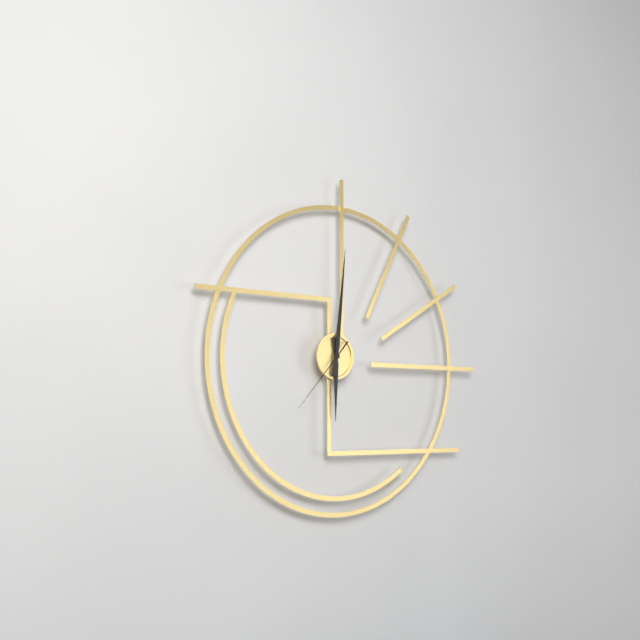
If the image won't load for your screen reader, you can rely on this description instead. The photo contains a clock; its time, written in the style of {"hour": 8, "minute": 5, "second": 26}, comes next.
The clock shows {"hour": 6, "minute": 1, "second": 37}
